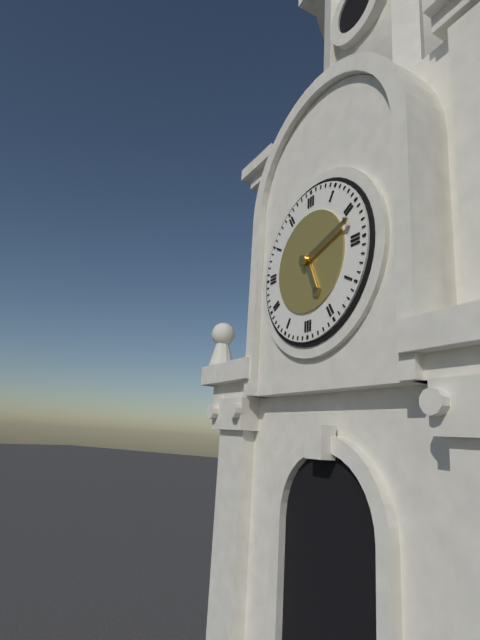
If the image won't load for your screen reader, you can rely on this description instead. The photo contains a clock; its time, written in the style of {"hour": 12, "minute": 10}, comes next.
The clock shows {"hour": 5, "minute": 12}
